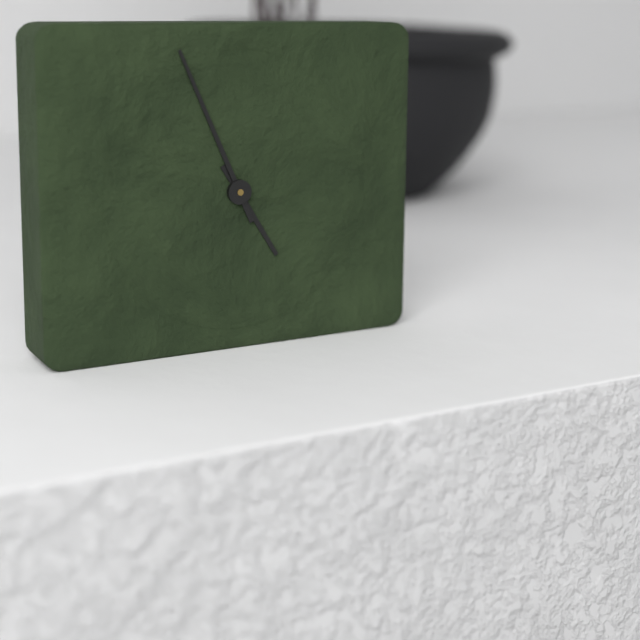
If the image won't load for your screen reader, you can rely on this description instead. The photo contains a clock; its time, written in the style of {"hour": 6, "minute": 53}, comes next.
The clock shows {"hour": 4, "minute": 56}
